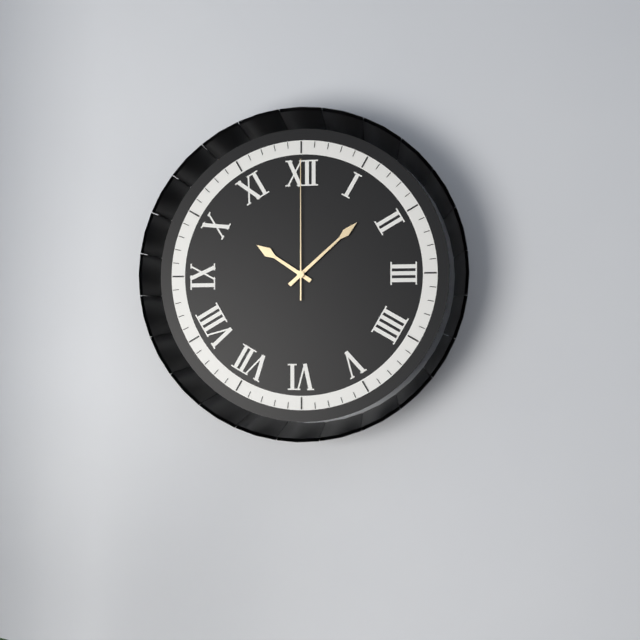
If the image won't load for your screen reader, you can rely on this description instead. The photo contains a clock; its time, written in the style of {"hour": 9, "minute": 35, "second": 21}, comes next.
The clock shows {"hour": 10, "minute": 8, "second": 0}
